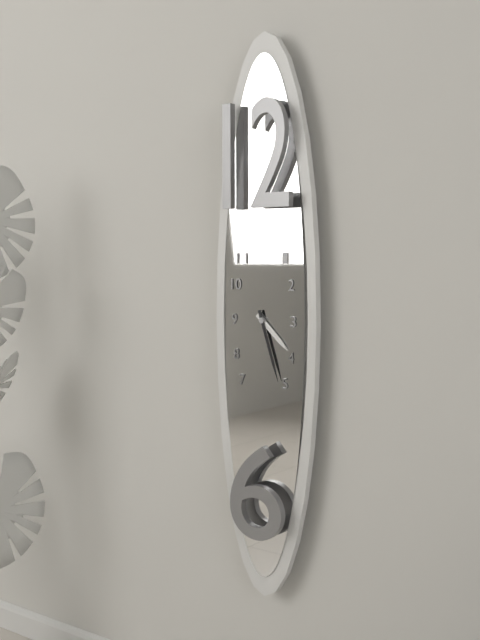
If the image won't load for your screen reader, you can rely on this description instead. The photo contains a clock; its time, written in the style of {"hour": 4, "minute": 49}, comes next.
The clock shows {"hour": 4, "minute": 27}
